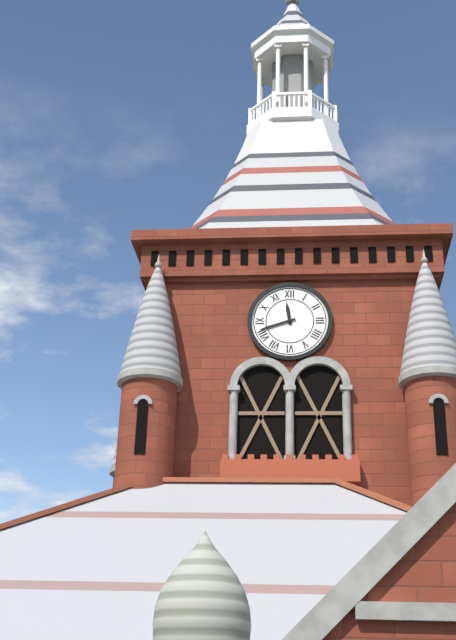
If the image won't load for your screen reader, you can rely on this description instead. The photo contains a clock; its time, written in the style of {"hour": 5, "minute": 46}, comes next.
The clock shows {"hour": 11, "minute": 42}
